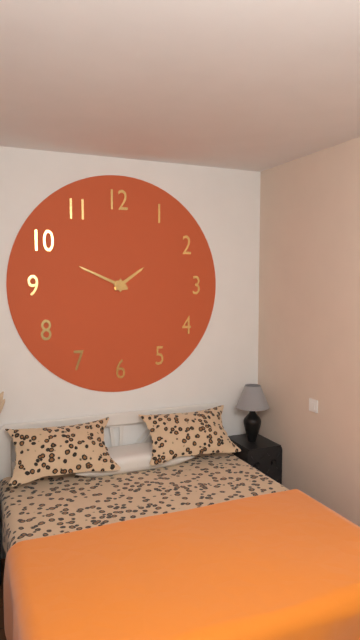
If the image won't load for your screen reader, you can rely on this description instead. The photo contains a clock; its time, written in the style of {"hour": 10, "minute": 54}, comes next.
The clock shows {"hour": 1, "minute": 49}
